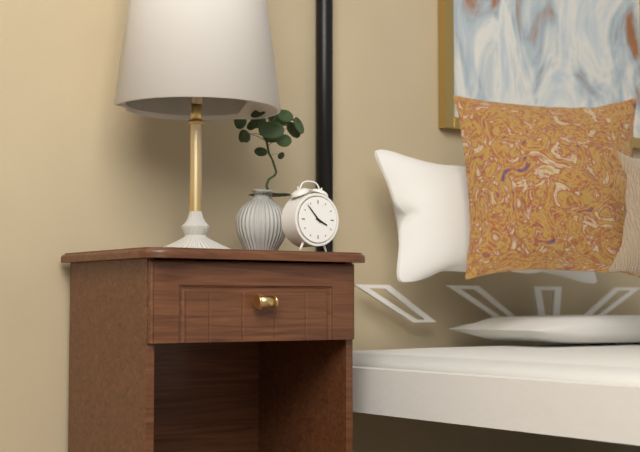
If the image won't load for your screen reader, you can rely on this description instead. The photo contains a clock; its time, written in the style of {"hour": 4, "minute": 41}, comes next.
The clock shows {"hour": 3, "minute": 53}
